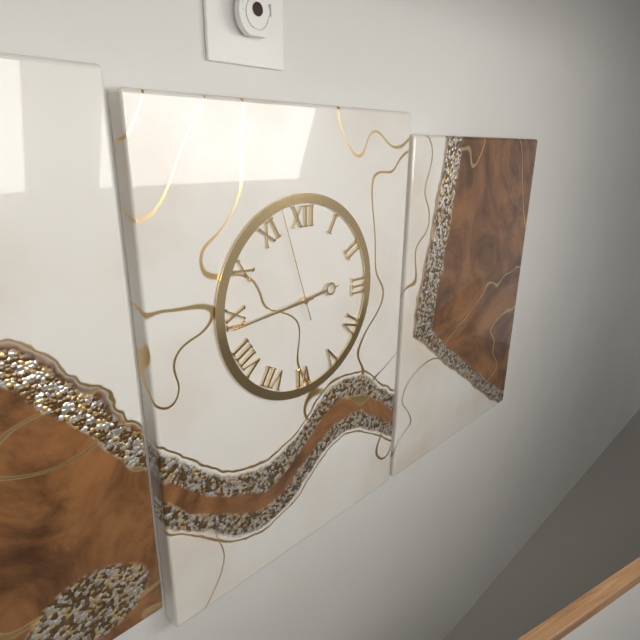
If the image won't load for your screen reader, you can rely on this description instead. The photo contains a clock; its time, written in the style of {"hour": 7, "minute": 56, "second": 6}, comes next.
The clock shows {"hour": 2, "minute": 44, "second": 57}
